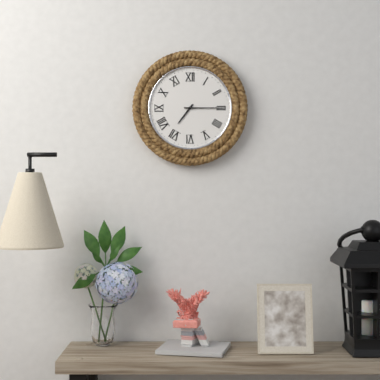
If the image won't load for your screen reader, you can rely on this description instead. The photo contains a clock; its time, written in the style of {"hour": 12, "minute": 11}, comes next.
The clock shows {"hour": 7, "minute": 15}
